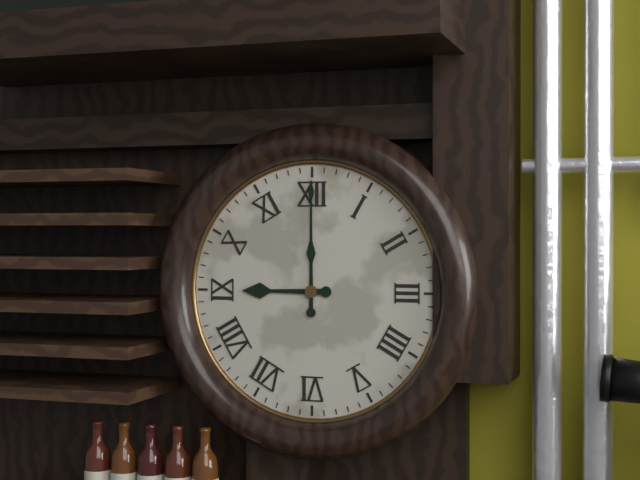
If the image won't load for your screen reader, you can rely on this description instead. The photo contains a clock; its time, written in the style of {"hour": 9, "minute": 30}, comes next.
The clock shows {"hour": 9, "minute": 0}
